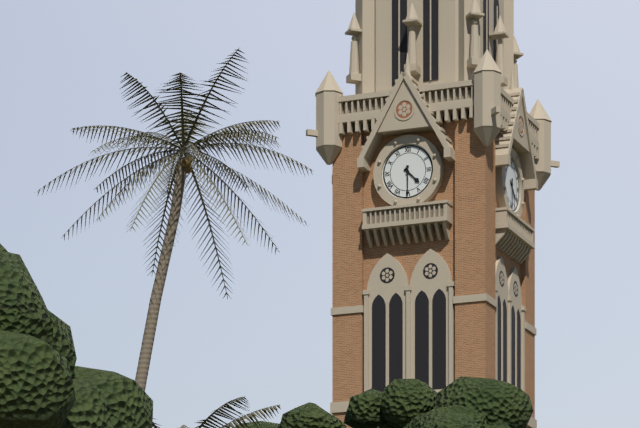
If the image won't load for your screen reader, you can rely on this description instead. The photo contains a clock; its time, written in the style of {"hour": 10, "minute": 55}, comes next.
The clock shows {"hour": 4, "minute": 30}
